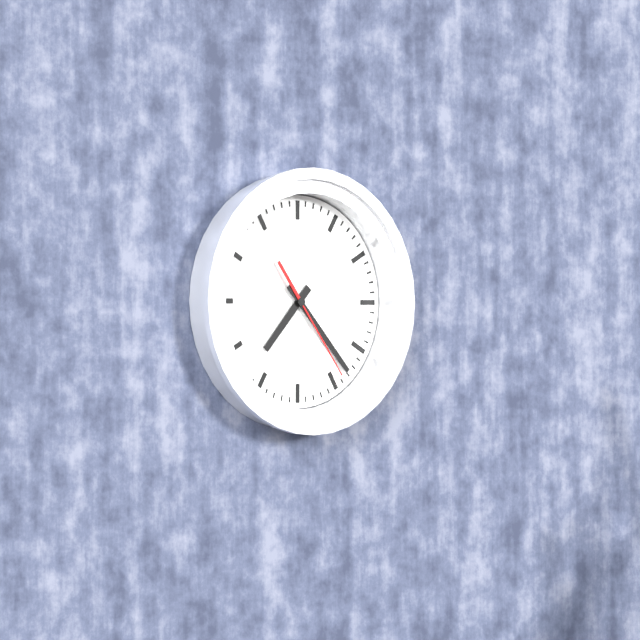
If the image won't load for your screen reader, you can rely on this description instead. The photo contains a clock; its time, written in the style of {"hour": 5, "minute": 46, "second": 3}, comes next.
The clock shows {"hour": 7, "minute": 23, "second": 24}
